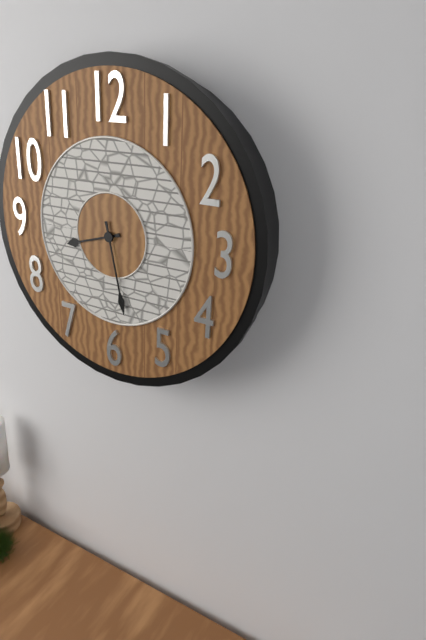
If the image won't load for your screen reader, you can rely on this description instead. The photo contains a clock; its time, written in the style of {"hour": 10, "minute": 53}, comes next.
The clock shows {"hour": 8, "minute": 28}
